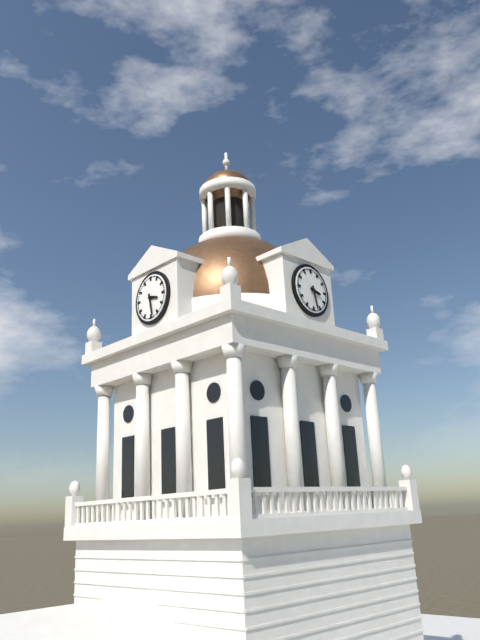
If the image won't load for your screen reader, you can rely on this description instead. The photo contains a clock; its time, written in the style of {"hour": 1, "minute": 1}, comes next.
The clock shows {"hour": 3, "minute": 28}
